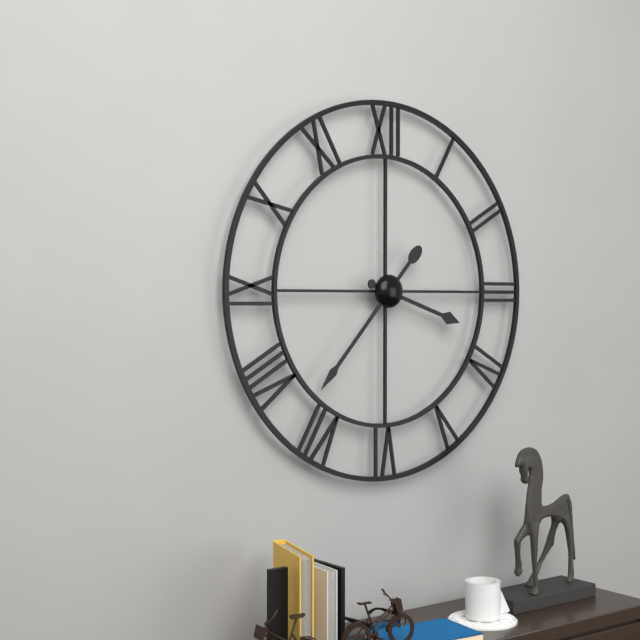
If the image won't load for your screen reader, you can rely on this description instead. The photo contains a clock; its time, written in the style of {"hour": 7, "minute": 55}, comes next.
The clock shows {"hour": 3, "minute": 37}
